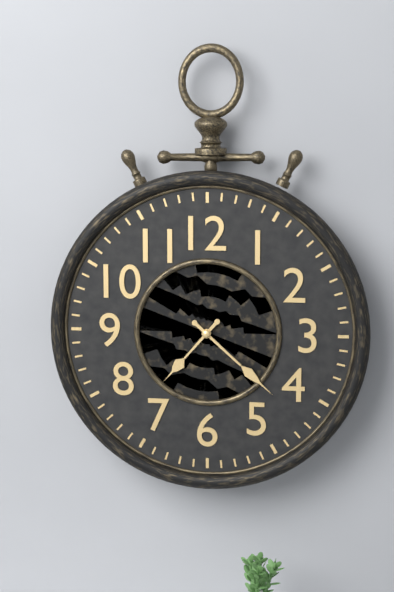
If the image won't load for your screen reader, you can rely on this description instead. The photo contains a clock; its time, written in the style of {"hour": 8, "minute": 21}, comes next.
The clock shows {"hour": 7, "minute": 22}
